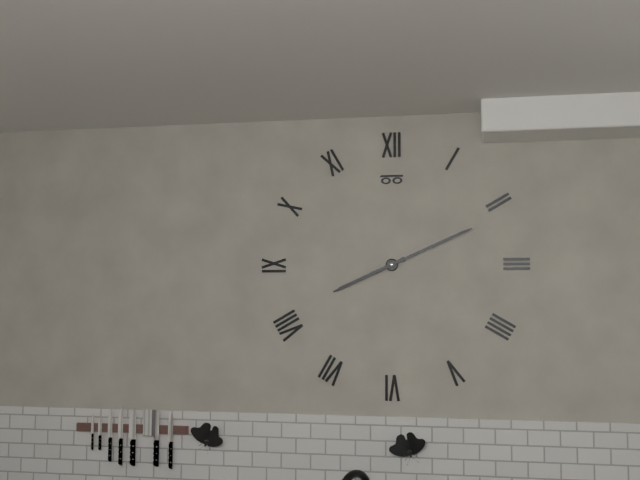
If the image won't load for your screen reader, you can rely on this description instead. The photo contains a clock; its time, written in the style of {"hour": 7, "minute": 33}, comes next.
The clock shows {"hour": 8, "minute": 11}
